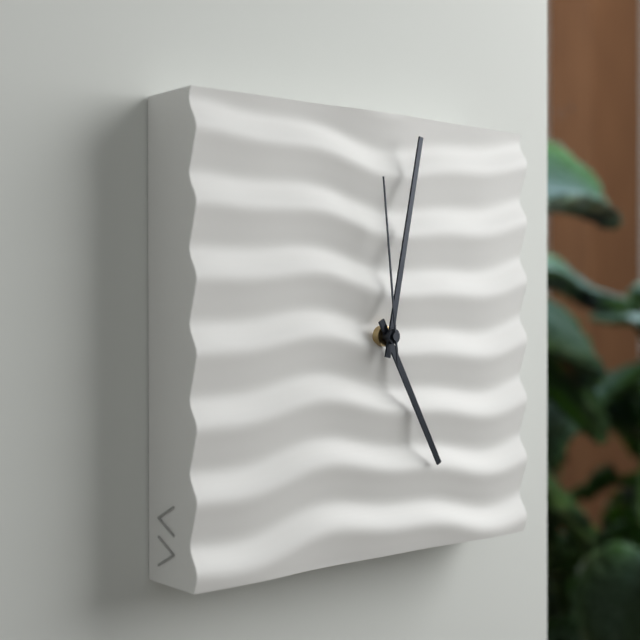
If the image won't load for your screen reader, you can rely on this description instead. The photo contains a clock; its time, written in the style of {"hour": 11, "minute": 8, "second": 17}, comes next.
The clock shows {"hour": 5, "minute": 2, "second": 59}
